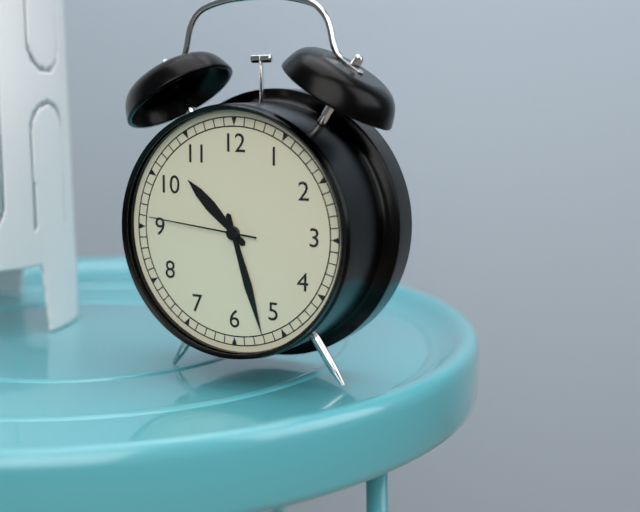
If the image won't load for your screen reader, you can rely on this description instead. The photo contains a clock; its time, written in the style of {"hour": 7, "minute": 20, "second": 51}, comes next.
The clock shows {"hour": 10, "minute": 27, "second": 46}
